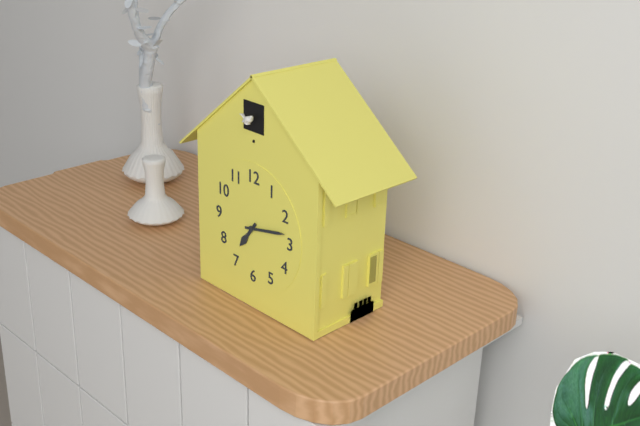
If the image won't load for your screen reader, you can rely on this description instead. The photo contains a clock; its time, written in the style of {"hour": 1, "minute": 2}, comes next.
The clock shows {"hour": 7, "minute": 13}
